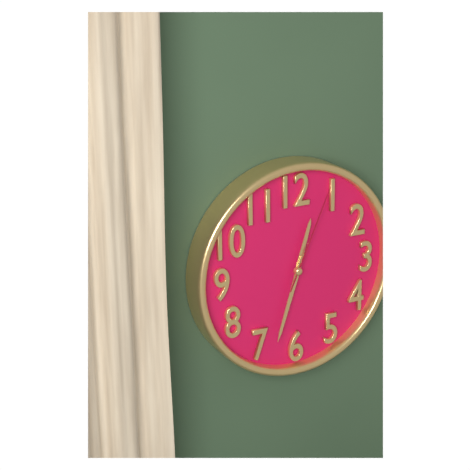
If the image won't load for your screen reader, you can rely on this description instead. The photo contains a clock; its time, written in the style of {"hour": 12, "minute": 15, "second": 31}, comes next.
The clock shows {"hour": 12, "minute": 33, "second": 4}
